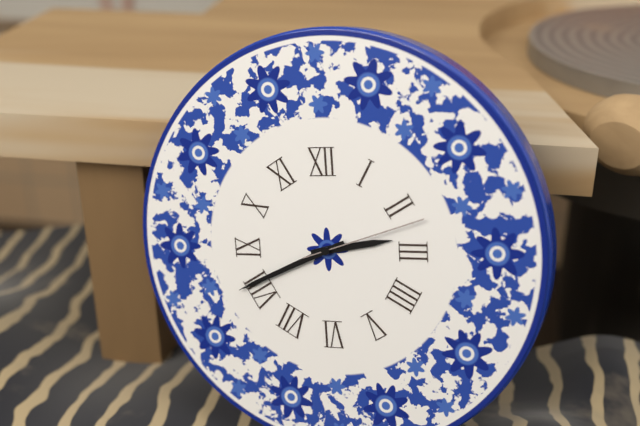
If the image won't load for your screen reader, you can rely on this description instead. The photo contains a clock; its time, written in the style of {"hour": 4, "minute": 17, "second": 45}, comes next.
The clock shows {"hour": 2, "minute": 41, "second": 12}
